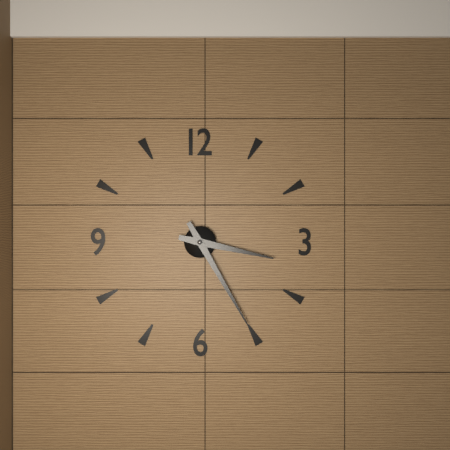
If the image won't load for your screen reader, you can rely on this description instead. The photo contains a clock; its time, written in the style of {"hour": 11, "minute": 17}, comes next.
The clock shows {"hour": 3, "minute": 25}
